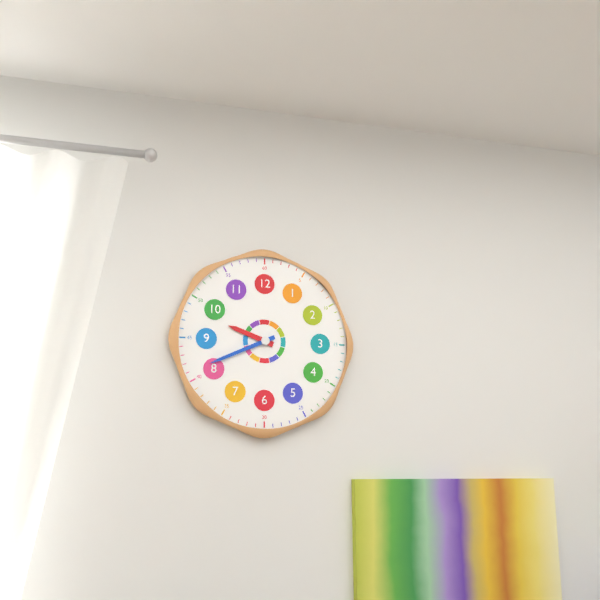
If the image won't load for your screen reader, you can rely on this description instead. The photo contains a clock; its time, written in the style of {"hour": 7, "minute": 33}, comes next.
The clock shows {"hour": 9, "minute": 41}
